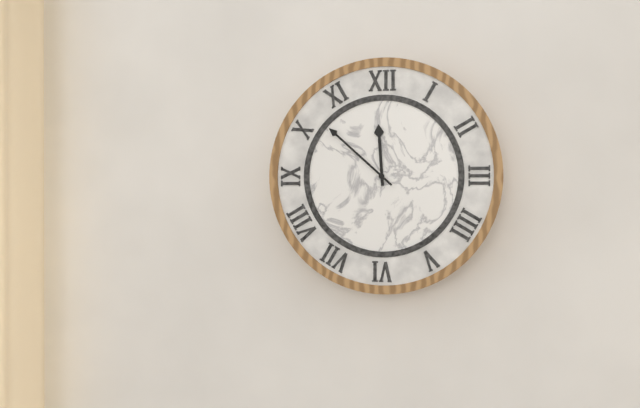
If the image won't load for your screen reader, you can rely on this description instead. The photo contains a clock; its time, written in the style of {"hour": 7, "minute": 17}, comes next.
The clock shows {"hour": 11, "minute": 52}
